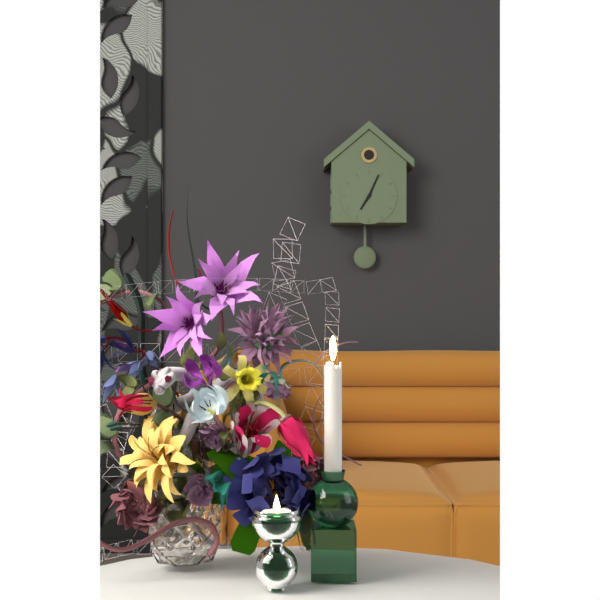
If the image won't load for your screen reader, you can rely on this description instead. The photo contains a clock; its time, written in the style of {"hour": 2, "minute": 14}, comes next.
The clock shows {"hour": 7, "minute": 4}
